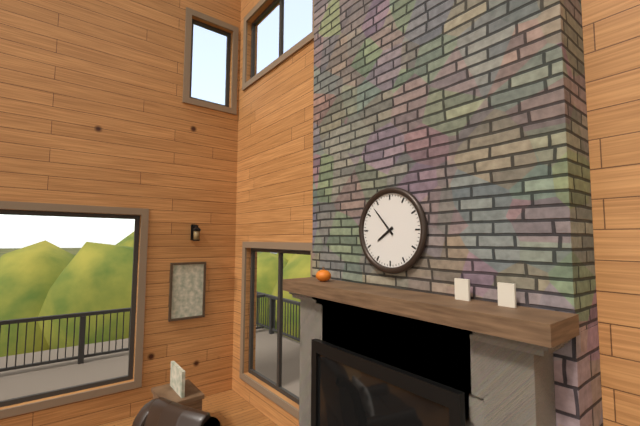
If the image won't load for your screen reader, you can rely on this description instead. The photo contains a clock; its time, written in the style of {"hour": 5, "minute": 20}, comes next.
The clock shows {"hour": 7, "minute": 53}
